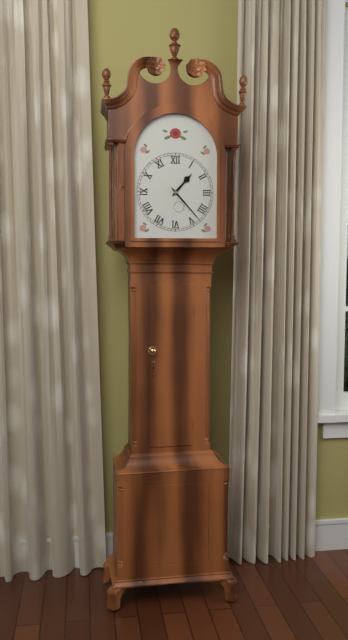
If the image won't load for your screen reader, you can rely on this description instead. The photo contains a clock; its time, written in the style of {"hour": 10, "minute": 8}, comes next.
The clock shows {"hour": 1, "minute": 23}
